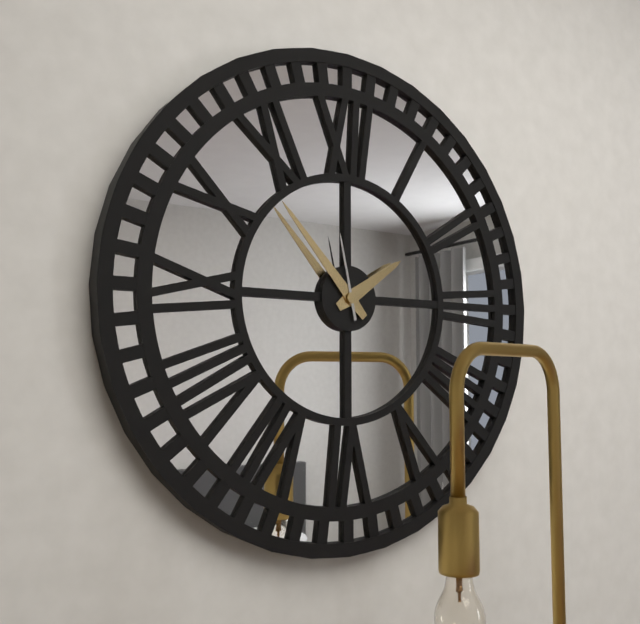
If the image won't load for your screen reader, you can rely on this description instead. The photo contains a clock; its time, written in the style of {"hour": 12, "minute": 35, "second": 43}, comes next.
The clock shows {"hour": 1, "minute": 53, "second": 58}
